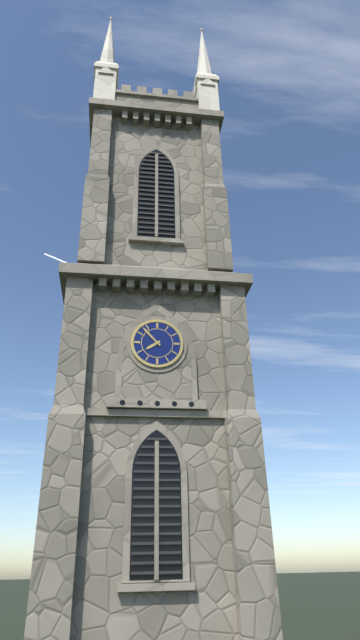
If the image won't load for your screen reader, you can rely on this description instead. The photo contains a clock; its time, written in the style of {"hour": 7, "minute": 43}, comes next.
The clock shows {"hour": 7, "minute": 53}
